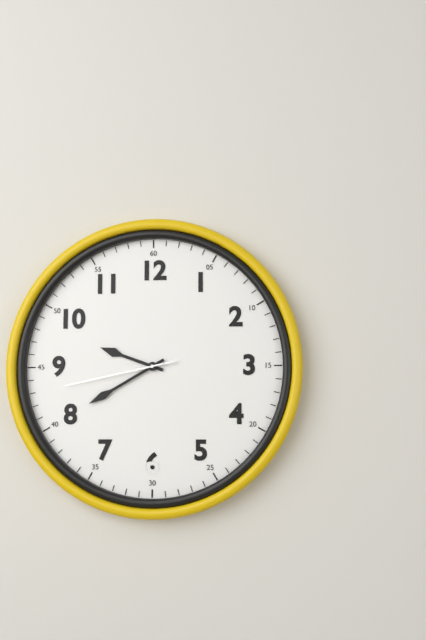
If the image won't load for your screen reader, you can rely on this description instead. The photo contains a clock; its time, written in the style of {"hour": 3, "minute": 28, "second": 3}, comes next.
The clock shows {"hour": 9, "minute": 40, "second": 43}
